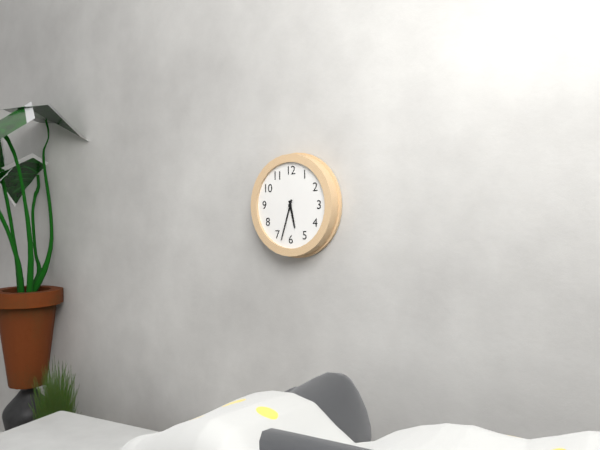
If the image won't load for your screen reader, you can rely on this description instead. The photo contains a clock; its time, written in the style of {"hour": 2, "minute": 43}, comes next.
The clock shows {"hour": 5, "minute": 33}
